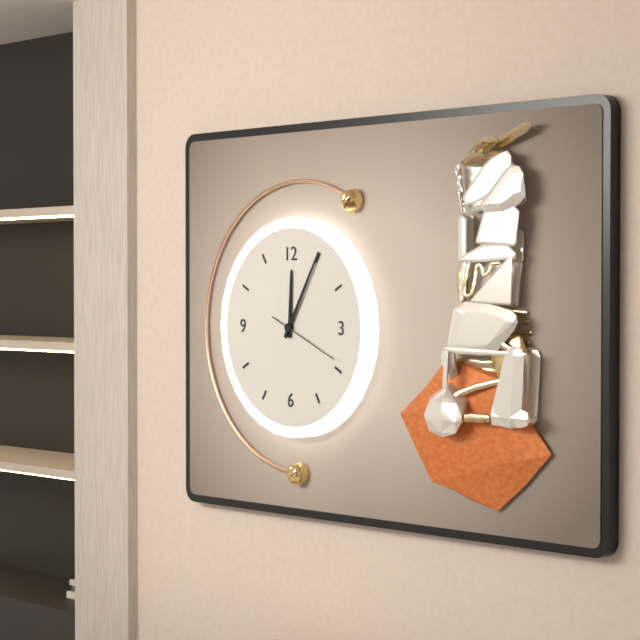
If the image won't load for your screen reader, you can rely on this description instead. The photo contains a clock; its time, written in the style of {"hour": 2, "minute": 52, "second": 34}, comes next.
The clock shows {"hour": 12, "minute": 5, "second": 19}
